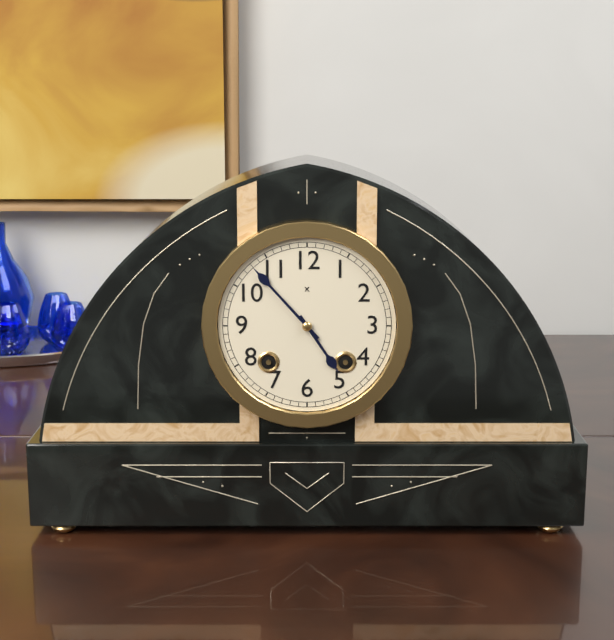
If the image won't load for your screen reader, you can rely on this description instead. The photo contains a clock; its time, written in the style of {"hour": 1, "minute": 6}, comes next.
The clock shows {"hour": 4, "minute": 53}
